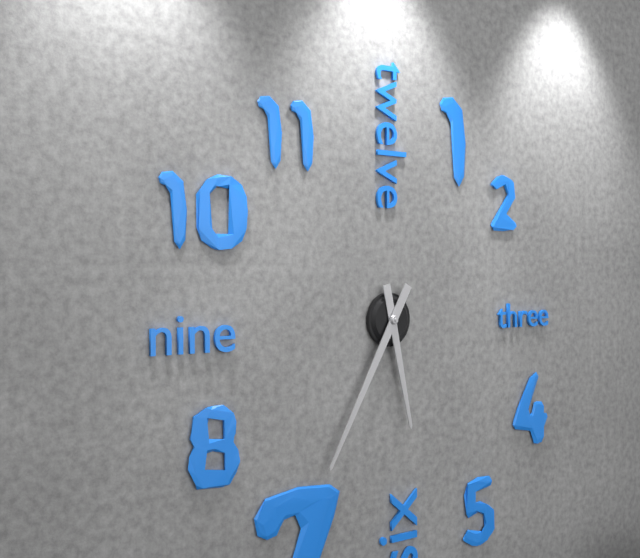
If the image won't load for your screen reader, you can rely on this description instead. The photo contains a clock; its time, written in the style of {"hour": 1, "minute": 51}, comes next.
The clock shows {"hour": 5, "minute": 35}
